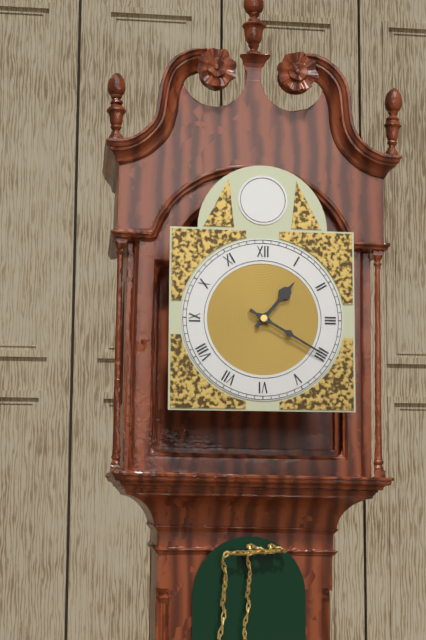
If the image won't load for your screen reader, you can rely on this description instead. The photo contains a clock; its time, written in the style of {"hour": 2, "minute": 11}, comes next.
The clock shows {"hour": 1, "minute": 20}
